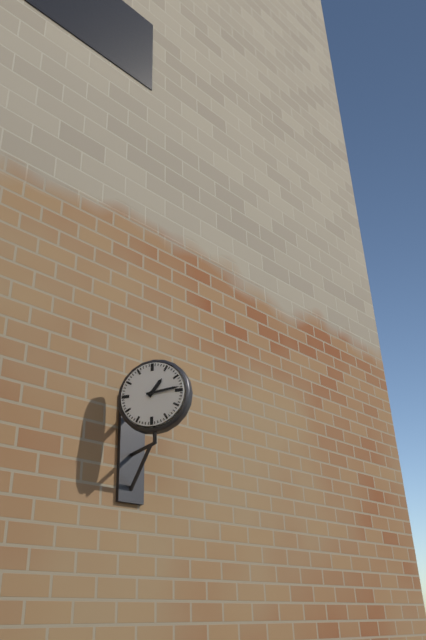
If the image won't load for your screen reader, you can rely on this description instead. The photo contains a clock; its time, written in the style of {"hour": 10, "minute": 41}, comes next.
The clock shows {"hour": 1, "minute": 14}
